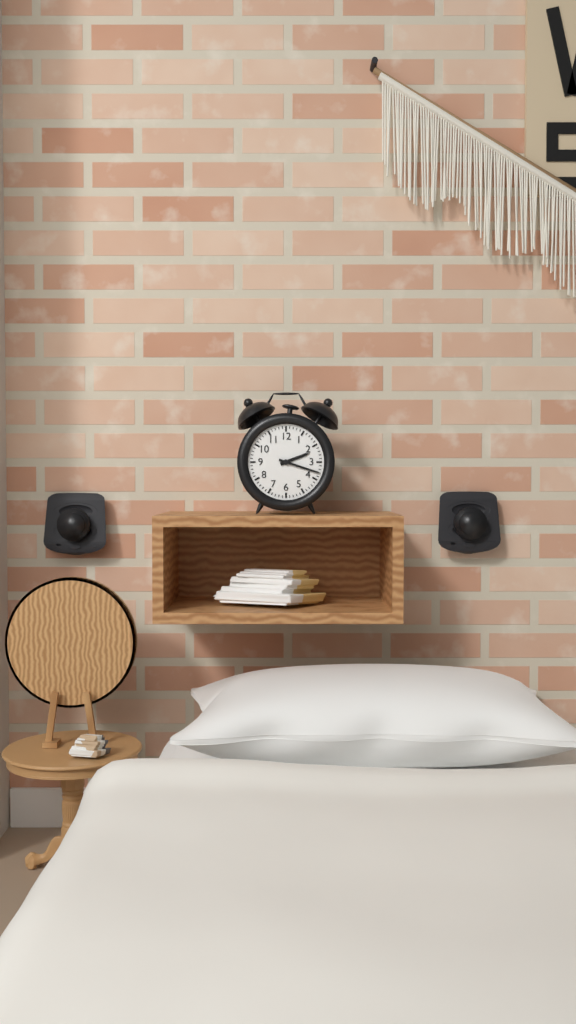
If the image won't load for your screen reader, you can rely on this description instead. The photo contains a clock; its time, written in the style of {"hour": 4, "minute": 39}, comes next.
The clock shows {"hour": 2, "minute": 18}
